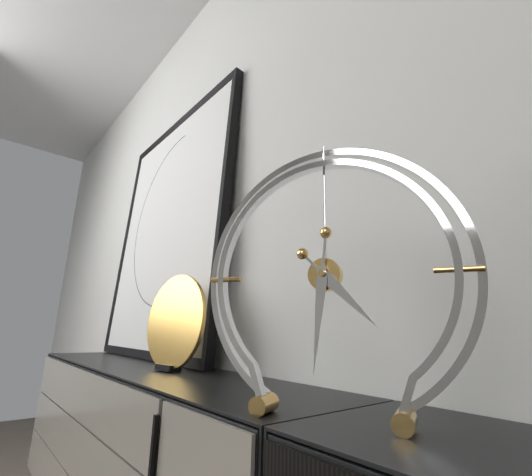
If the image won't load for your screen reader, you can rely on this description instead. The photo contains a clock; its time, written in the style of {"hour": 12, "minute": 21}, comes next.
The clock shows {"hour": 4, "minute": 31}
